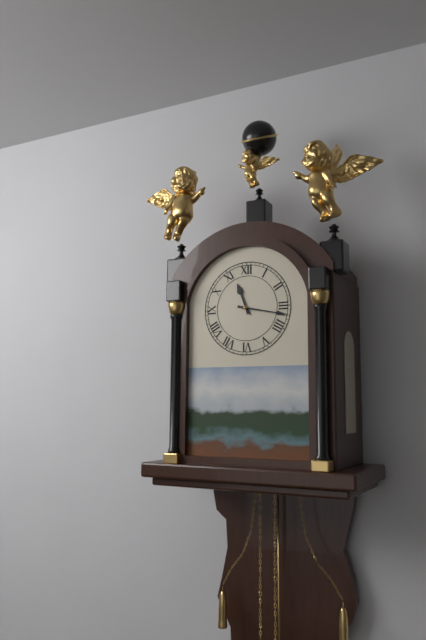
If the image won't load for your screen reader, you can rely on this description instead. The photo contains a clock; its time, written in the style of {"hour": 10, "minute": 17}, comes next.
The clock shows {"hour": 11, "minute": 17}
